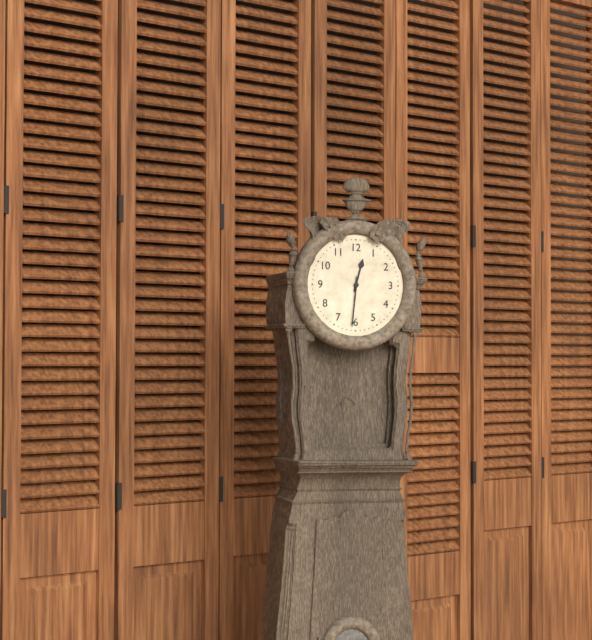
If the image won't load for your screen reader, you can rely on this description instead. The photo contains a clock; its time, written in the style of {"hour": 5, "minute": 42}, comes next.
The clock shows {"hour": 12, "minute": 31}
